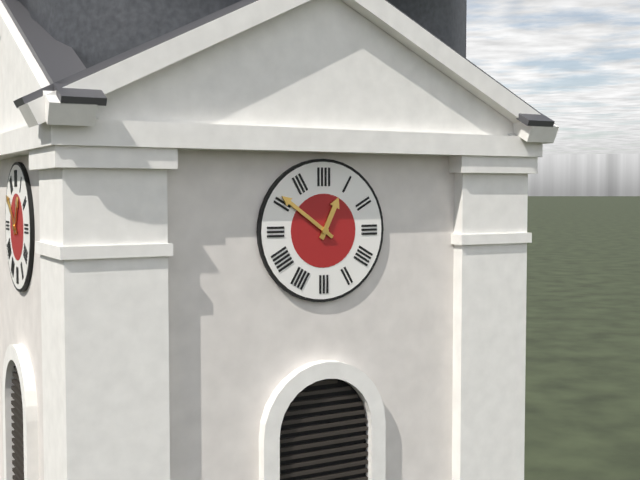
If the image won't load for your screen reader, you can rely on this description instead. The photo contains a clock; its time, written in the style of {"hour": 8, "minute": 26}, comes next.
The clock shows {"hour": 12, "minute": 51}
